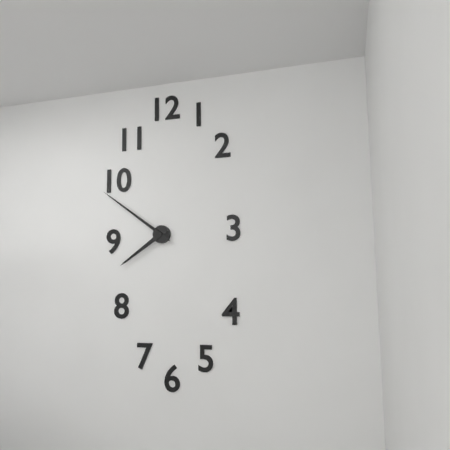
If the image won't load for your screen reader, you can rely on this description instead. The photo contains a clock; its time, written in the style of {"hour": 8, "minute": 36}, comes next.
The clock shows {"hour": 7, "minute": 51}
